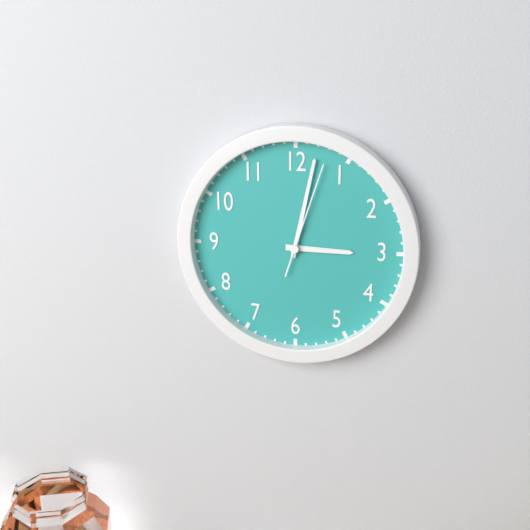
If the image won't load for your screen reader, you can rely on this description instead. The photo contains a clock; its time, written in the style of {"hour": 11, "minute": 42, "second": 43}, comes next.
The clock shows {"hour": 3, "minute": 2, "second": 3}
